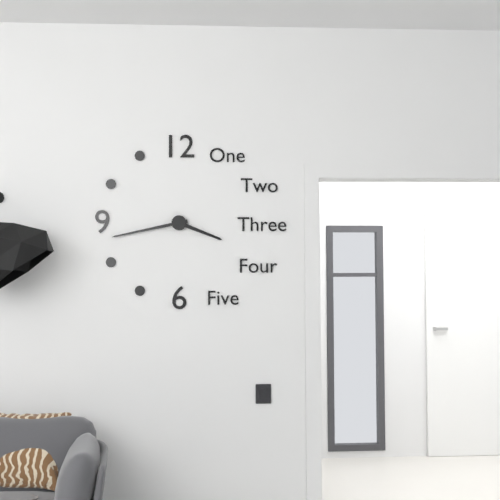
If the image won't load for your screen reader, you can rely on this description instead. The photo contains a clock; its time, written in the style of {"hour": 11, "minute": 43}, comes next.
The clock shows {"hour": 3, "minute": 43}
